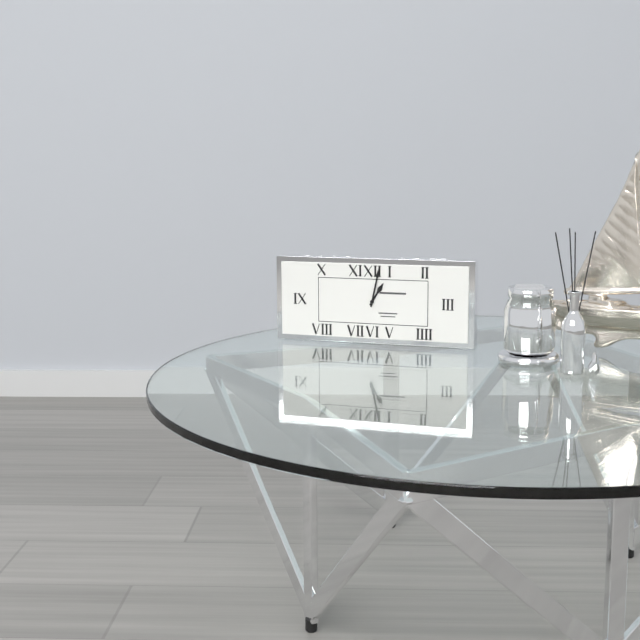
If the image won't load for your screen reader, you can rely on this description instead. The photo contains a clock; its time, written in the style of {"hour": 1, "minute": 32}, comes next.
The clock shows {"hour": 1, "minute": 2}
